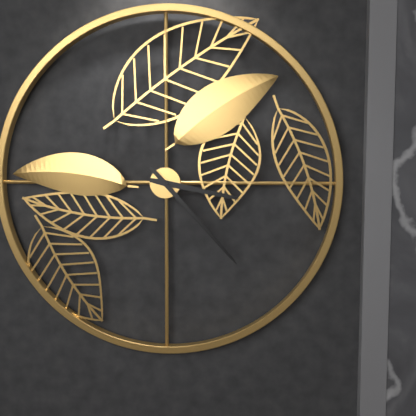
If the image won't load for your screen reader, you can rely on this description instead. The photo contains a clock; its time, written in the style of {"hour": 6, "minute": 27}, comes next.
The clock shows {"hour": 3, "minute": 23}
